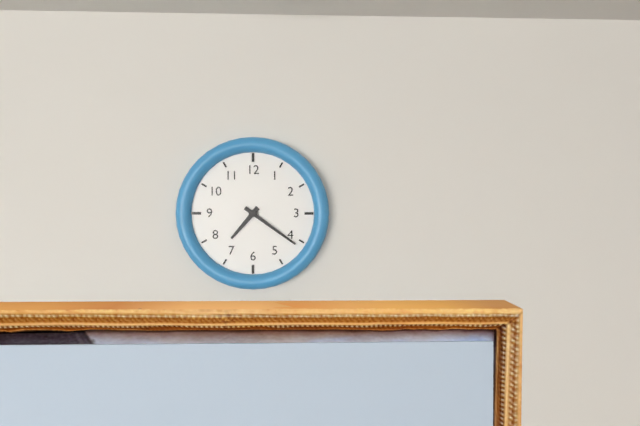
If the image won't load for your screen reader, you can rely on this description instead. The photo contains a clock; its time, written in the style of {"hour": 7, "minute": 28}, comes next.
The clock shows {"hour": 7, "minute": 21}
